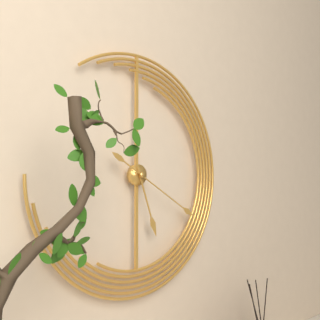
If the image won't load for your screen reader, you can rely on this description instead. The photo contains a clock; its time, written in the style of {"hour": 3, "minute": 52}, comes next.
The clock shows {"hour": 5, "minute": 20}
